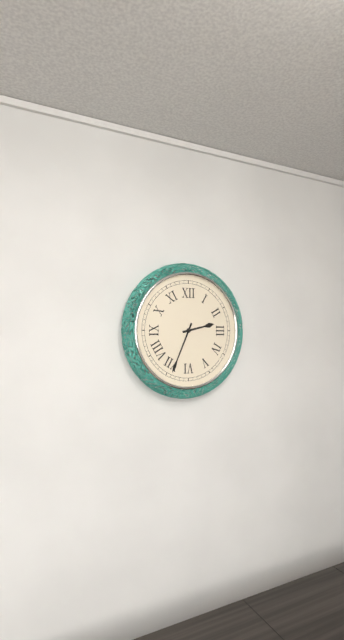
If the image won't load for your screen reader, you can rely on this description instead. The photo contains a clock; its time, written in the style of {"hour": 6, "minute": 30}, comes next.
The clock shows {"hour": 2, "minute": 34}
